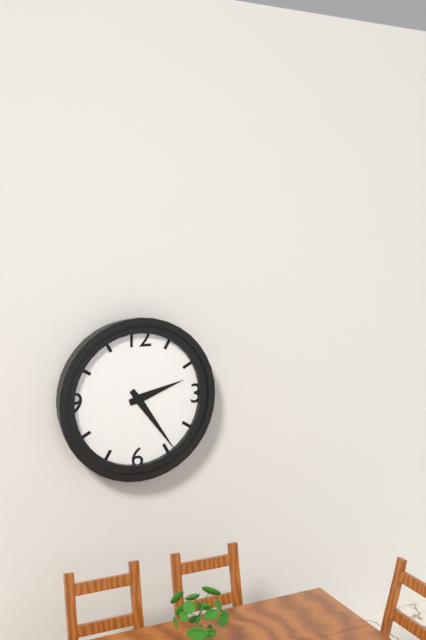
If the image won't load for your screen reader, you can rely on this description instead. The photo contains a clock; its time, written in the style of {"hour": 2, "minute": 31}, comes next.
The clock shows {"hour": 2, "minute": 24}
